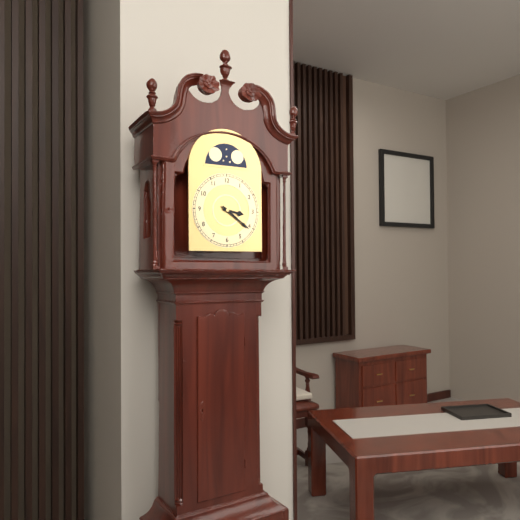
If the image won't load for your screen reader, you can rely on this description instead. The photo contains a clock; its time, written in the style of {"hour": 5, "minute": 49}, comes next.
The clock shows {"hour": 3, "minute": 21}
